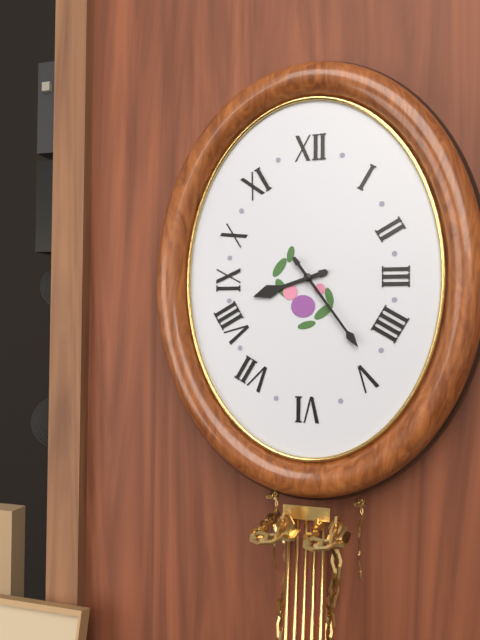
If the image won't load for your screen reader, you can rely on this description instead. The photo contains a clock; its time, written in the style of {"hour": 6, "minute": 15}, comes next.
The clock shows {"hour": 8, "minute": 24}
